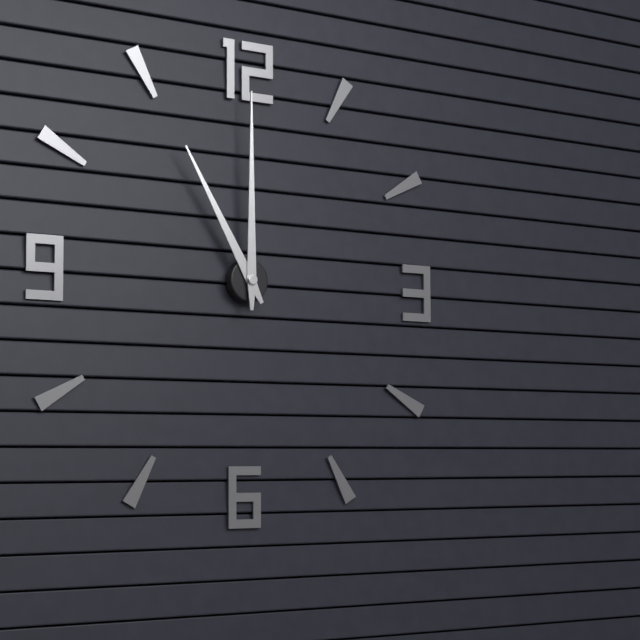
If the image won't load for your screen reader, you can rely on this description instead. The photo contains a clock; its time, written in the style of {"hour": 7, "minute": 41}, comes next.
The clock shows {"hour": 11, "minute": 0}
